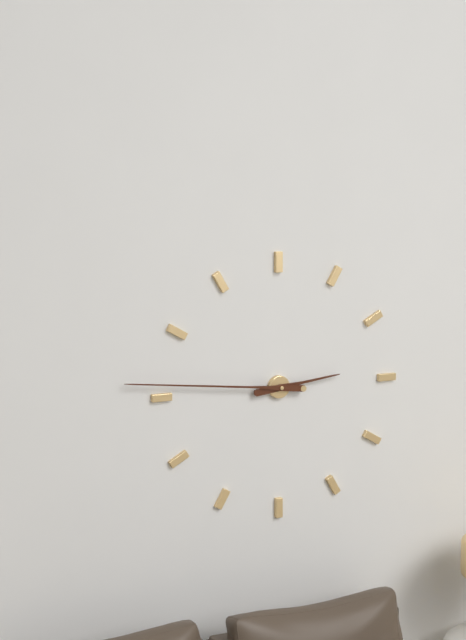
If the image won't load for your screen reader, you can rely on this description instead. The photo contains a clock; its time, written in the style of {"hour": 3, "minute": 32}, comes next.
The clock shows {"hour": 2, "minute": 46}
